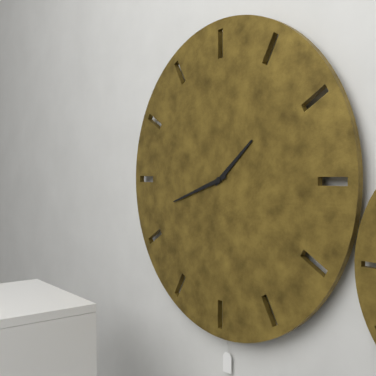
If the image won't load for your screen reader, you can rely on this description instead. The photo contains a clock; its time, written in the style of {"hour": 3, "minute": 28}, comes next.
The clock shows {"hour": 1, "minute": 42}
